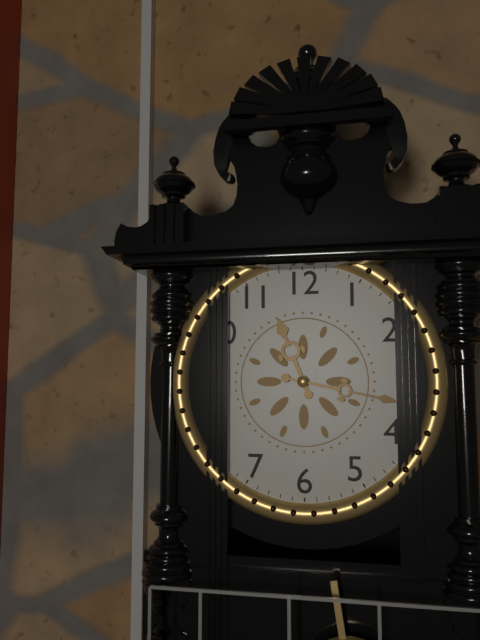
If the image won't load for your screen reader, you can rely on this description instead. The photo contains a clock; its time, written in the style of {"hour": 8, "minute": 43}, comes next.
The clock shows {"hour": 11, "minute": 17}
